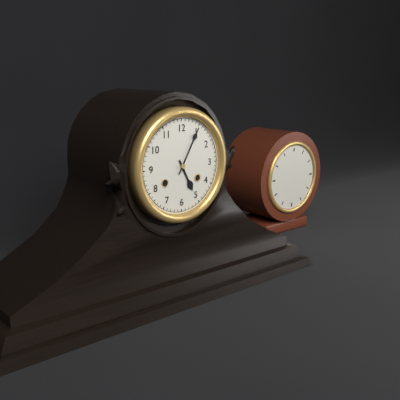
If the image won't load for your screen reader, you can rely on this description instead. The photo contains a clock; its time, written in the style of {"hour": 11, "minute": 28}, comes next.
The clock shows {"hour": 5, "minute": 5}
